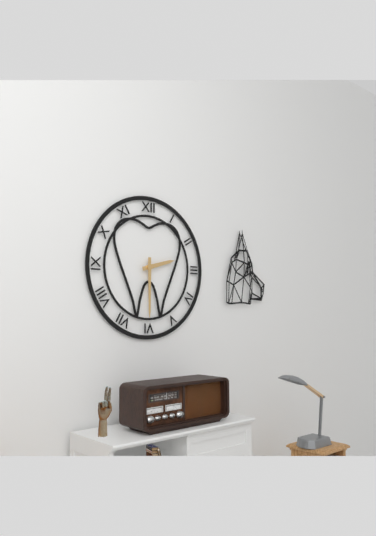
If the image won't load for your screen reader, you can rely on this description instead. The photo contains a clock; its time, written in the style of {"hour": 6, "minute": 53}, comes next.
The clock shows {"hour": 2, "minute": 30}
